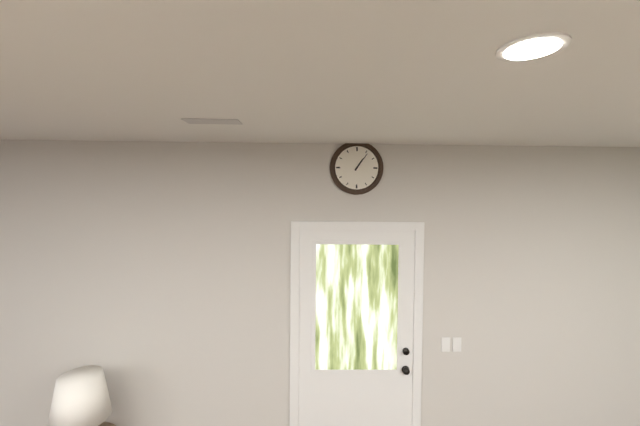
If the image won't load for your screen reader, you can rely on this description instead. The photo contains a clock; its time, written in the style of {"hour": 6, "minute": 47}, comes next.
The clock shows {"hour": 1, "minute": 6}
